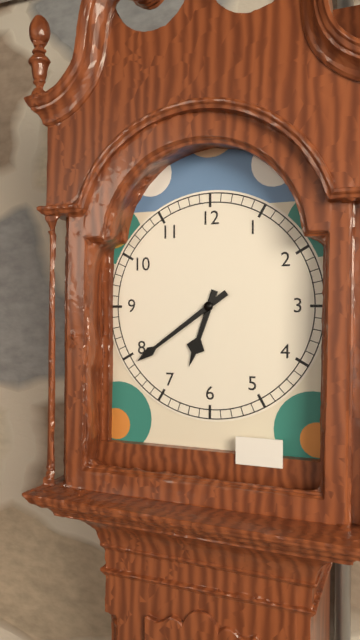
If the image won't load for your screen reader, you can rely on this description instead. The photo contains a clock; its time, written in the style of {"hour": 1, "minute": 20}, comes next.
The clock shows {"hour": 6, "minute": 39}
